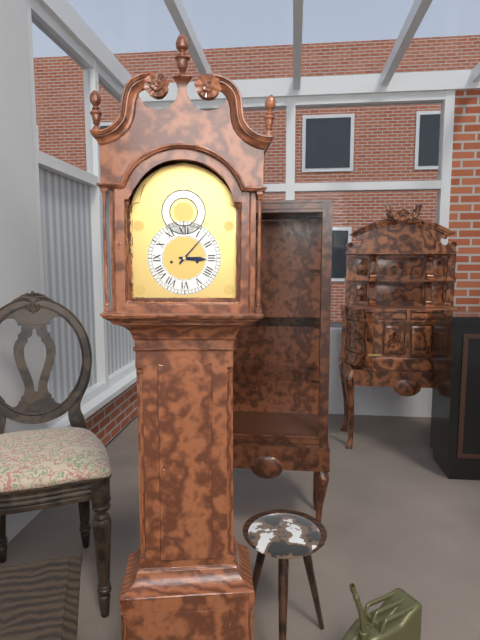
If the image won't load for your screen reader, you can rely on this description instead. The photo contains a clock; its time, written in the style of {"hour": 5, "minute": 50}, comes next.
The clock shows {"hour": 3, "minute": 7}
